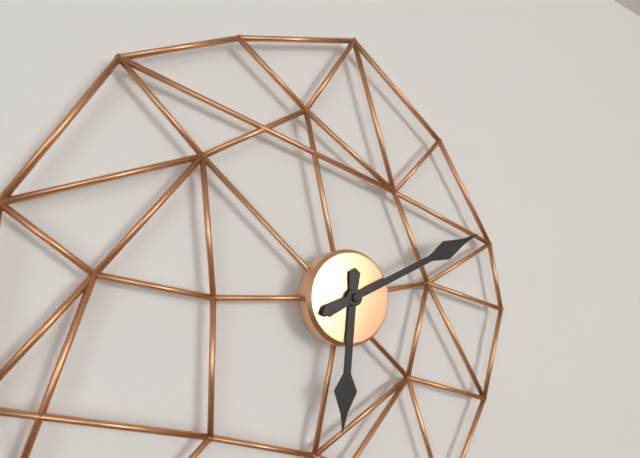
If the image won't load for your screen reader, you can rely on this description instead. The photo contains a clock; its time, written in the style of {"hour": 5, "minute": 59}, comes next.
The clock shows {"hour": 6, "minute": 11}
